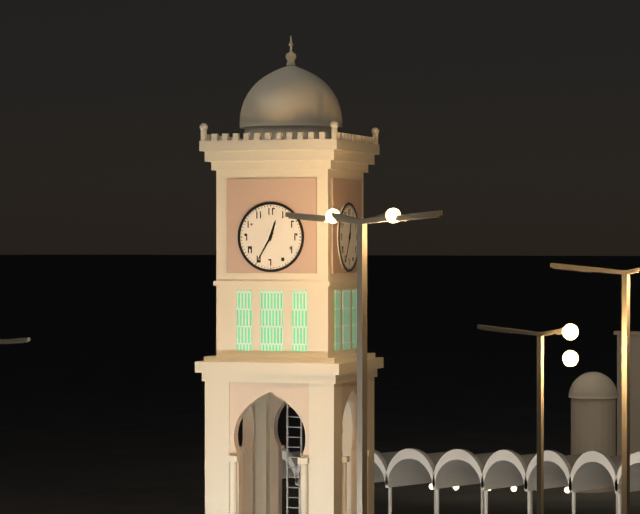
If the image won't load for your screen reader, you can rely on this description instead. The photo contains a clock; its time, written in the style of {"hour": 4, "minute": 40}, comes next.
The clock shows {"hour": 12, "minute": 35}
